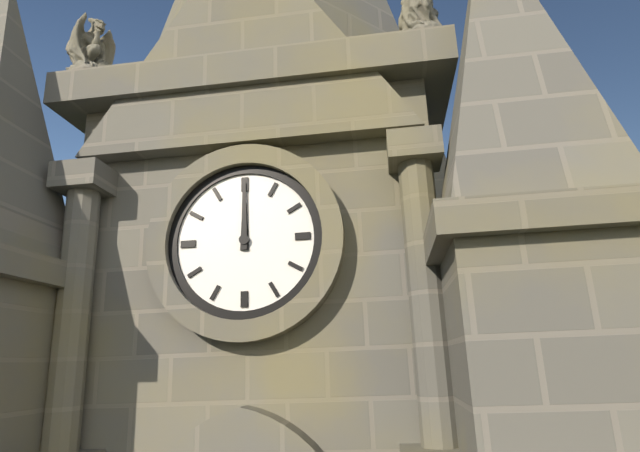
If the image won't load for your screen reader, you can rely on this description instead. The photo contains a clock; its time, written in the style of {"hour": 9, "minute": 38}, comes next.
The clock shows {"hour": 12, "minute": 0}
